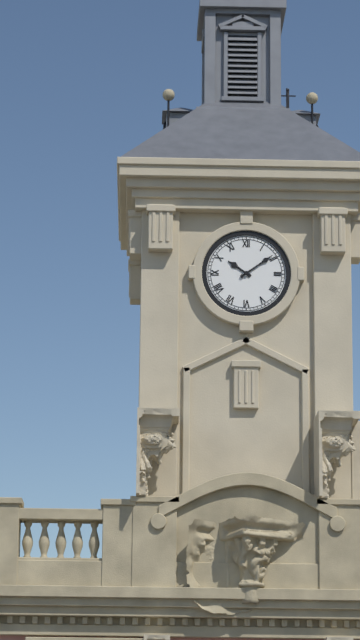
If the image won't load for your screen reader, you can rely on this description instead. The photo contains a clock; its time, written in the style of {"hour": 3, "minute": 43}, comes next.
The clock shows {"hour": 10, "minute": 9}
